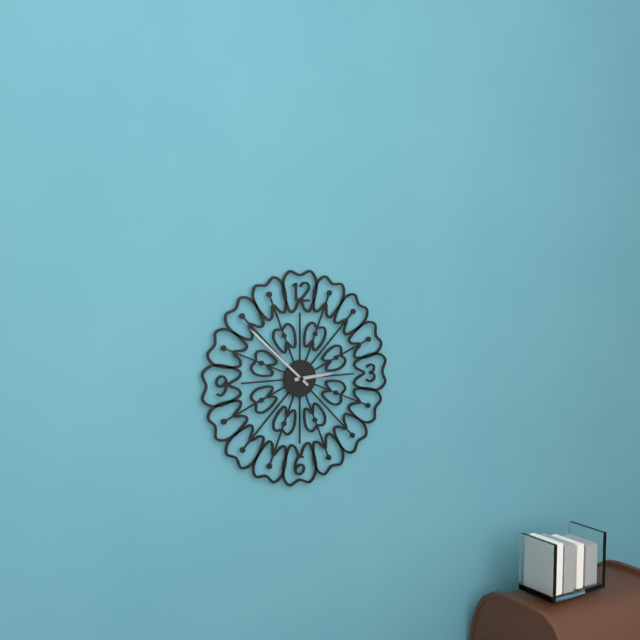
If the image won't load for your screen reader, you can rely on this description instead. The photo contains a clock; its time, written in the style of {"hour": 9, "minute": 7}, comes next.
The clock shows {"hour": 2, "minute": 52}
